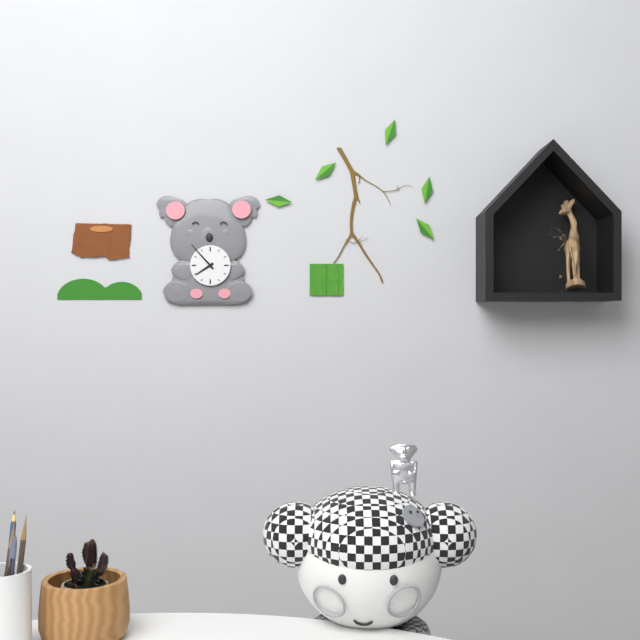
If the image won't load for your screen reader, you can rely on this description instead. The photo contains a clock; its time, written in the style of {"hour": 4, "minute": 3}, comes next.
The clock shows {"hour": 7, "minute": 53}
